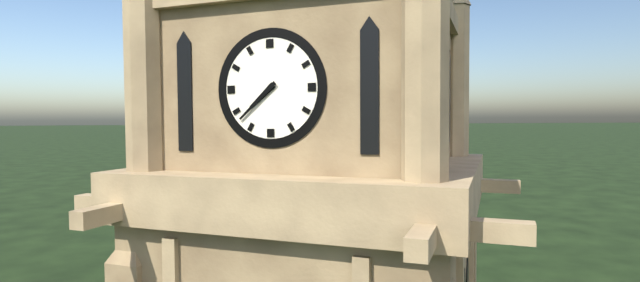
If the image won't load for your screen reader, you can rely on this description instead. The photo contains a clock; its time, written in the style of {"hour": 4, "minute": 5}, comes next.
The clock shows {"hour": 7, "minute": 38}
